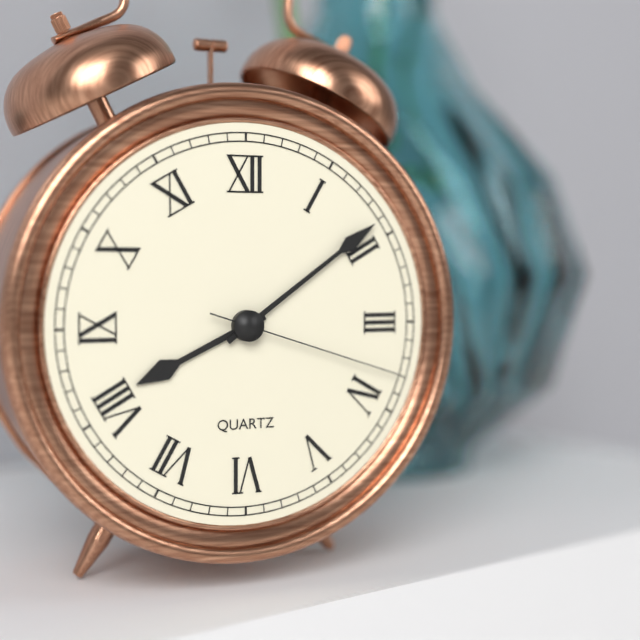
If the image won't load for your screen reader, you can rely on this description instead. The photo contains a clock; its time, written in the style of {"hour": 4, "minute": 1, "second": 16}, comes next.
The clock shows {"hour": 8, "minute": 9, "second": 18}
